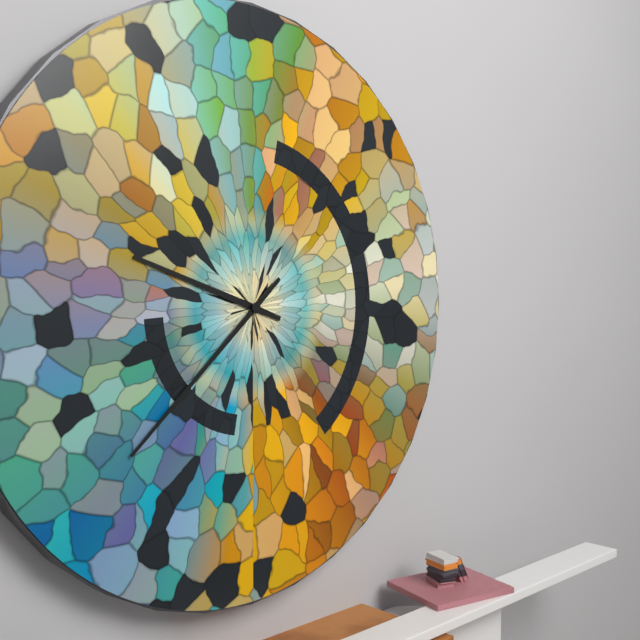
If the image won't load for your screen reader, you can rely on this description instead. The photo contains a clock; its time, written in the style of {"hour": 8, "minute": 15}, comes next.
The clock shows {"hour": 9, "minute": 38}
